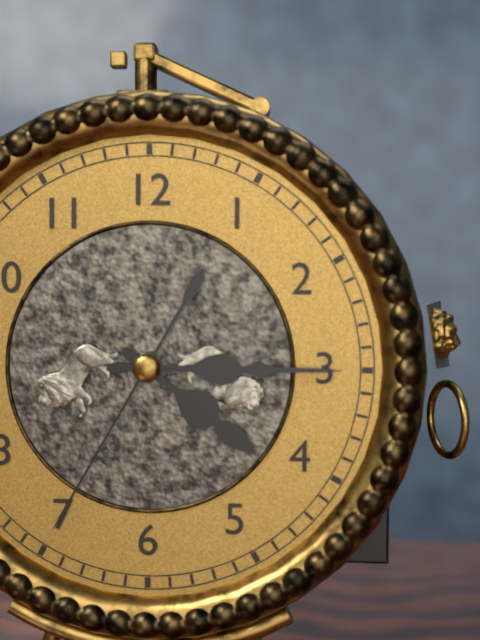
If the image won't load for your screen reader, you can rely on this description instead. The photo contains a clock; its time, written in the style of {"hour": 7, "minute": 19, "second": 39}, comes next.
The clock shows {"hour": 4, "minute": 15, "second": 35}
